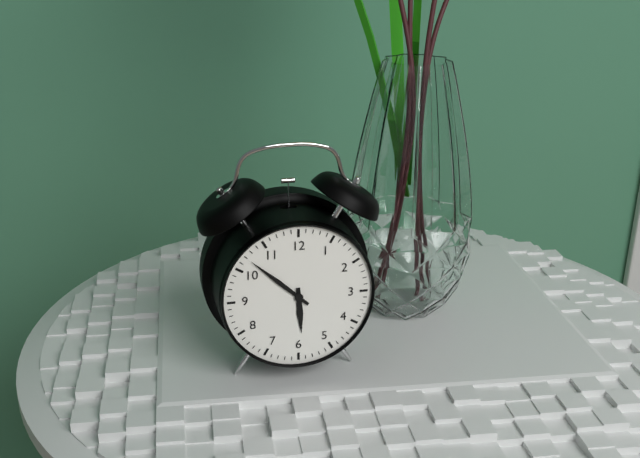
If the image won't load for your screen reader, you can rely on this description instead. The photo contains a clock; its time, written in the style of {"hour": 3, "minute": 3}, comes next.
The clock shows {"hour": 5, "minute": 52}
